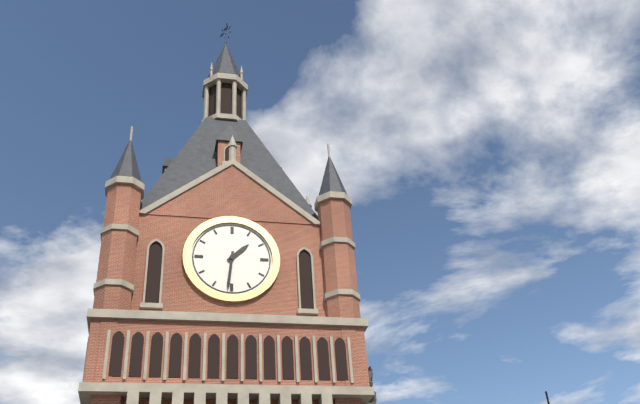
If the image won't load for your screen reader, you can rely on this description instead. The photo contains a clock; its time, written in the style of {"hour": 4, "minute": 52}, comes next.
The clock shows {"hour": 1, "minute": 31}
